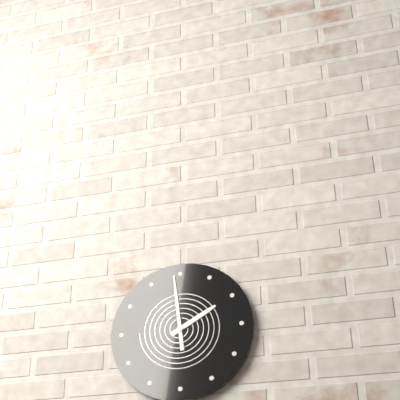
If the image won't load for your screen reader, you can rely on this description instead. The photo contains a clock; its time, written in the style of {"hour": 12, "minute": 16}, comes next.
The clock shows {"hour": 1, "minute": 59}
